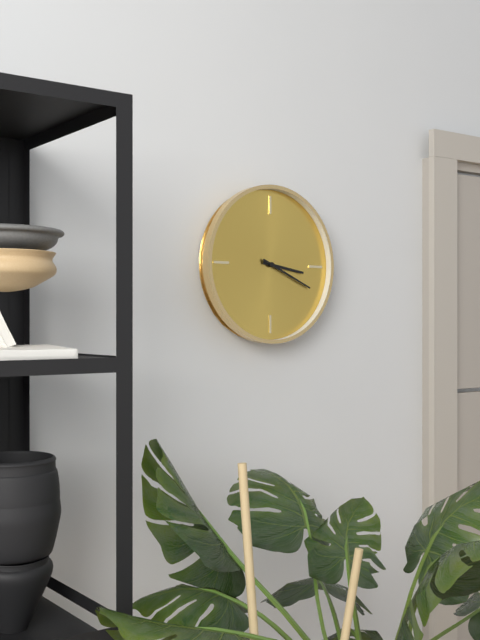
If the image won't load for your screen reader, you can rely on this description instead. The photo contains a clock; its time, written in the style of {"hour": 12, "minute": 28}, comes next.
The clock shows {"hour": 3, "minute": 19}
